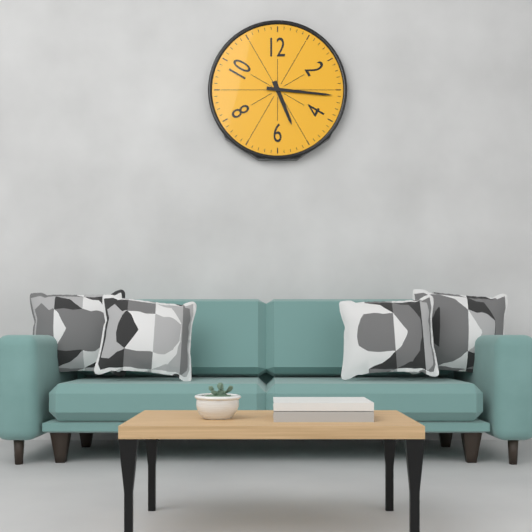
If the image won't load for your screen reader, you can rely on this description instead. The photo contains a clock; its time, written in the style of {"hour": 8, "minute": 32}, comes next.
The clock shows {"hour": 5, "minute": 16}
